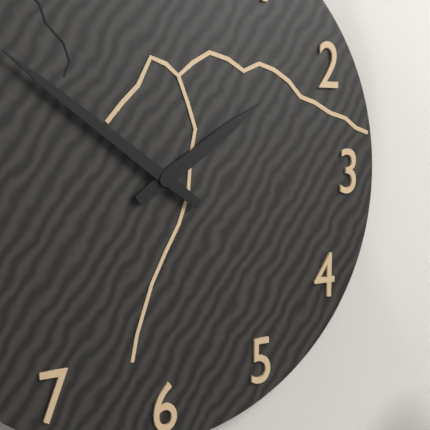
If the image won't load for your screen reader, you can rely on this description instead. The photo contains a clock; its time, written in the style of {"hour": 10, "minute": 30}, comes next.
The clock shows {"hour": 1, "minute": 51}
